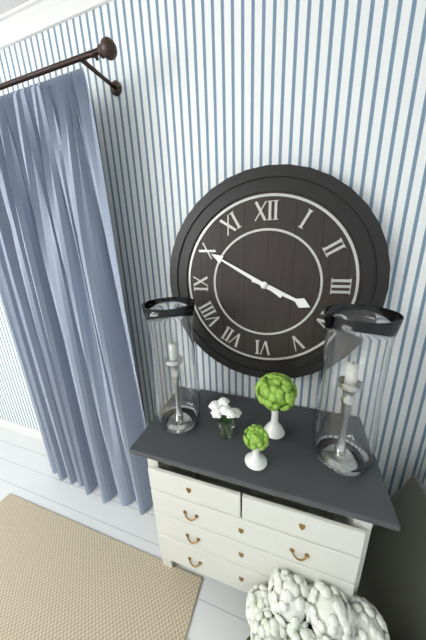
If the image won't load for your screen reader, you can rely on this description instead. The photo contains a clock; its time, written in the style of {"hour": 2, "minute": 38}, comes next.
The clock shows {"hour": 3, "minute": 50}
